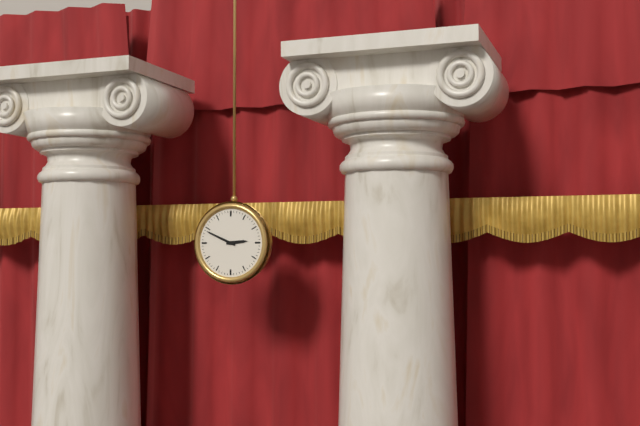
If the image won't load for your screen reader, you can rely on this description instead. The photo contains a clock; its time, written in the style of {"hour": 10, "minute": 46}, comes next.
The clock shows {"hour": 2, "minute": 49}
